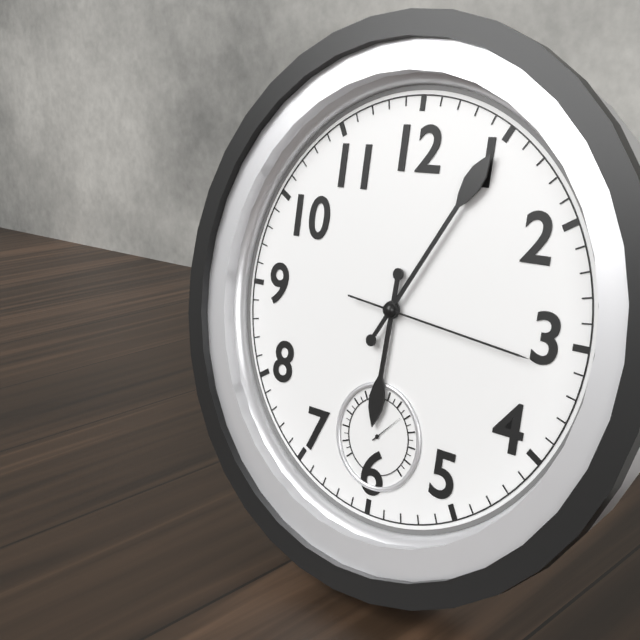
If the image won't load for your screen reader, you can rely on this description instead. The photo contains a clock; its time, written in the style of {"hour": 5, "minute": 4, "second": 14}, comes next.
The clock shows {"hour": 6, "minute": 5, "second": 16}
